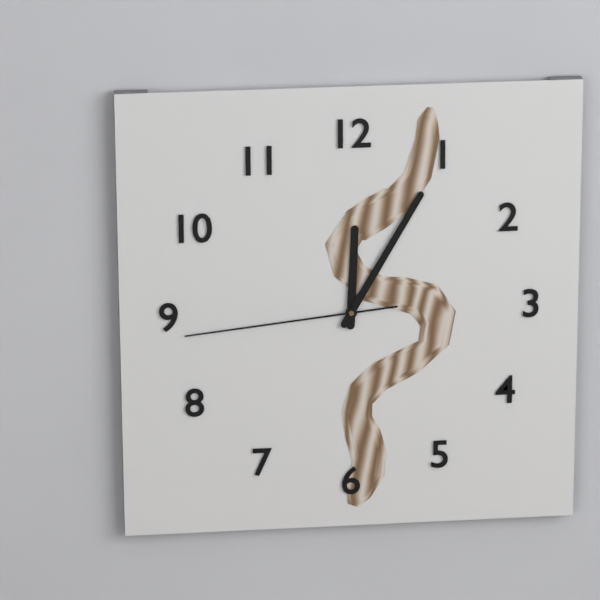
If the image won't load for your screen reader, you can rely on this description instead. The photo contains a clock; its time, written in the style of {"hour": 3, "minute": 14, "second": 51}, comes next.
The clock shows {"hour": 12, "minute": 5, "second": 44}
